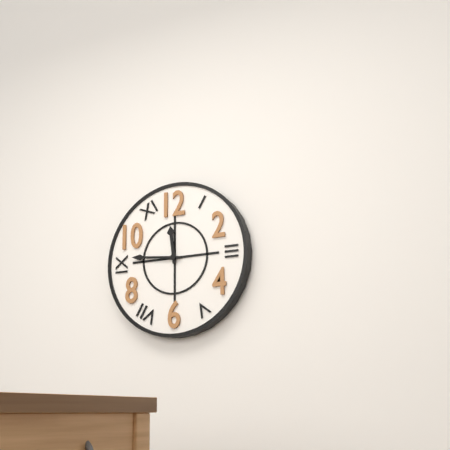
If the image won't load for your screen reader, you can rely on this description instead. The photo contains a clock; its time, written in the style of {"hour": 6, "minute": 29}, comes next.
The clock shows {"hour": 11, "minute": 46}
